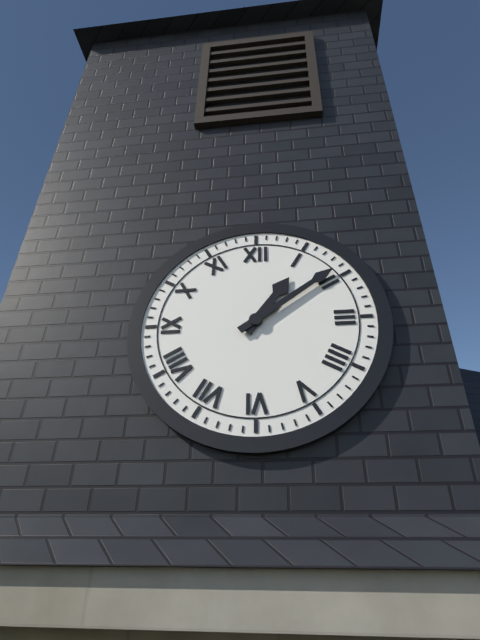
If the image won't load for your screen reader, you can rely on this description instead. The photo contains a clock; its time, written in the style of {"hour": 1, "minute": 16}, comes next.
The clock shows {"hour": 1, "minute": 9}
